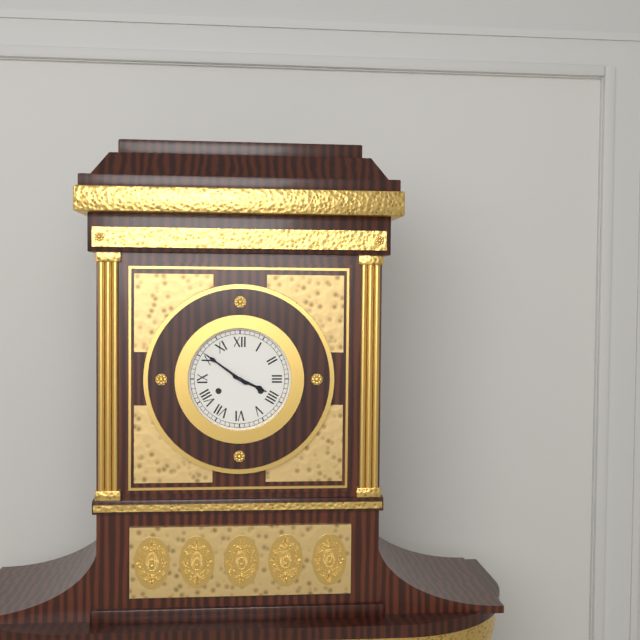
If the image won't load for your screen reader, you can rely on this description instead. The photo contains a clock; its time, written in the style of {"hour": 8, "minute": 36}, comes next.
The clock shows {"hour": 3, "minute": 51}
